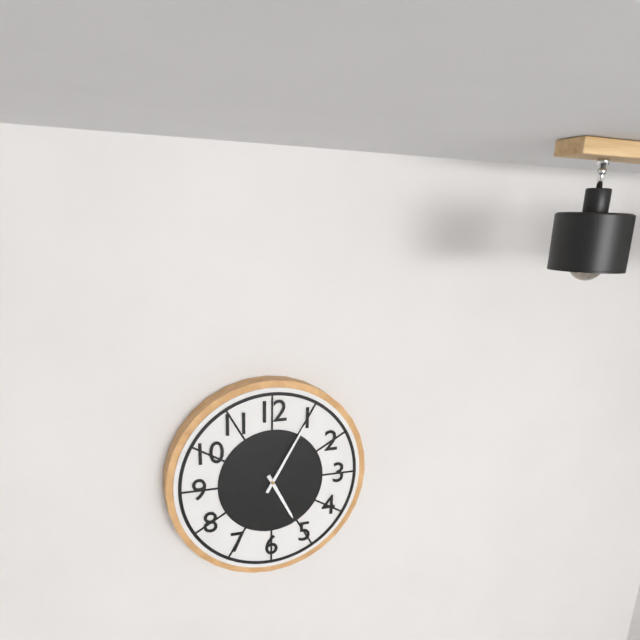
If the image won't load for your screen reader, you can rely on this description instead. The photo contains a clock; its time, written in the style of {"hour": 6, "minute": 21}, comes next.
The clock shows {"hour": 5, "minute": 5}
